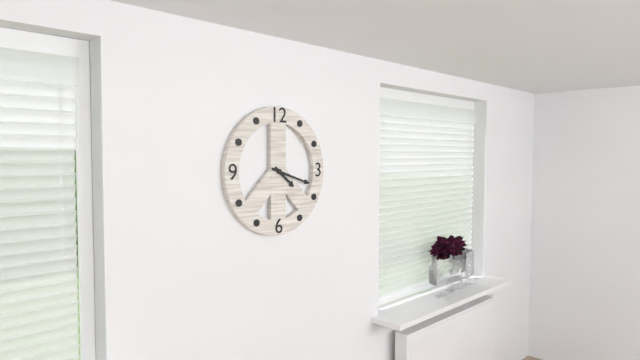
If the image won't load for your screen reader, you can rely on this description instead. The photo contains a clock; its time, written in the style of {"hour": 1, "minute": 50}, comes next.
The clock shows {"hour": 4, "minute": 18}
